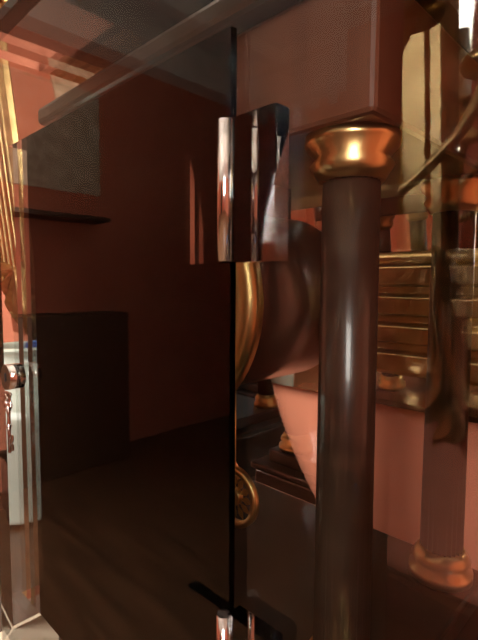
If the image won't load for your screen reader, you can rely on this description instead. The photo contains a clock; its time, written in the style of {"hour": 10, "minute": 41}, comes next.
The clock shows {"hour": 10, "minute": 16}
